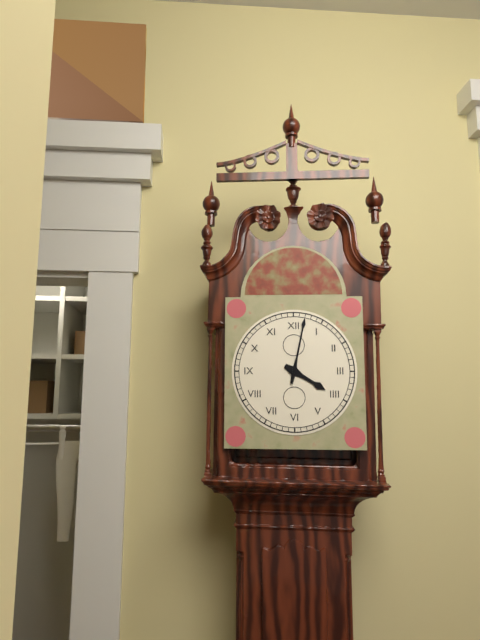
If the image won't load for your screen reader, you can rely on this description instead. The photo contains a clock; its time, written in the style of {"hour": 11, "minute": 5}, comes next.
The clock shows {"hour": 4, "minute": 2}
